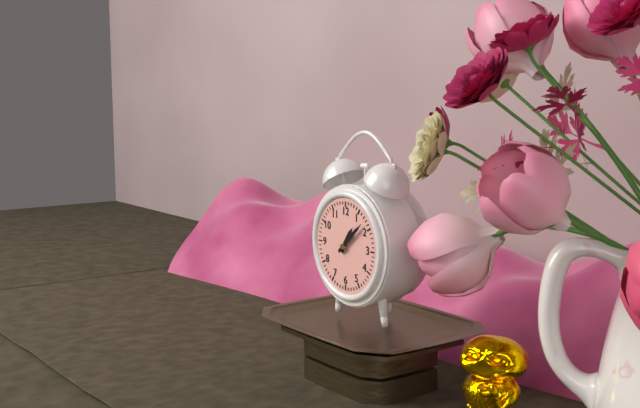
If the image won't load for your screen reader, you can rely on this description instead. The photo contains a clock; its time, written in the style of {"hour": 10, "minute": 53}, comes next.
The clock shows {"hour": 1, "minute": 8}
